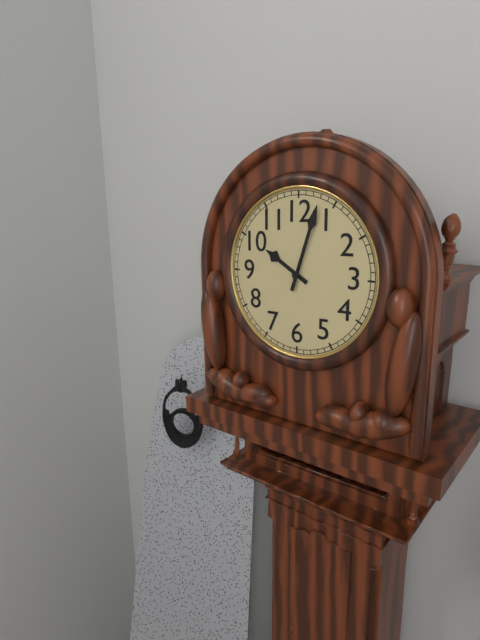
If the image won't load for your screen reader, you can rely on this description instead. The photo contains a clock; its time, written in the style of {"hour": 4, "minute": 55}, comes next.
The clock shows {"hour": 10, "minute": 3}
